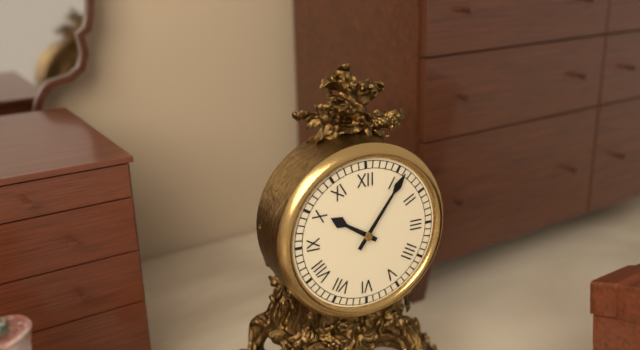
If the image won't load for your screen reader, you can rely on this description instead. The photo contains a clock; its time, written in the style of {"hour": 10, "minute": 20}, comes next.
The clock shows {"hour": 10, "minute": 6}
